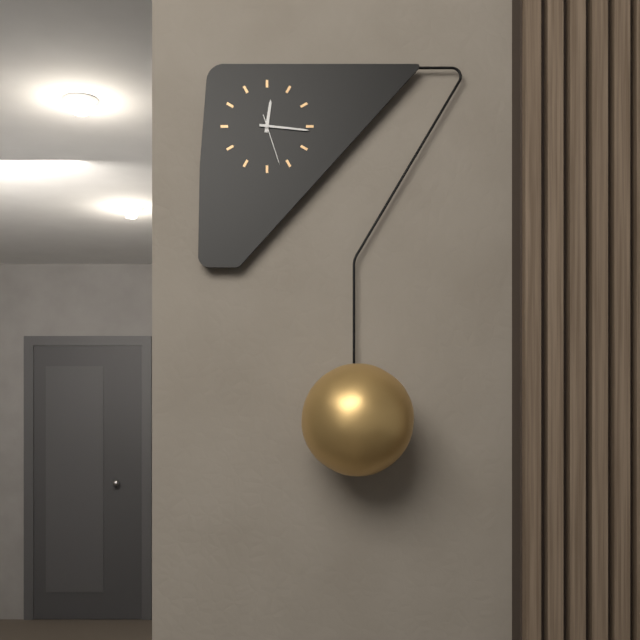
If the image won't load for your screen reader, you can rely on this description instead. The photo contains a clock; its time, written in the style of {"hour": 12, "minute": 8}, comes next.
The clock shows {"hour": 12, "minute": 16}
